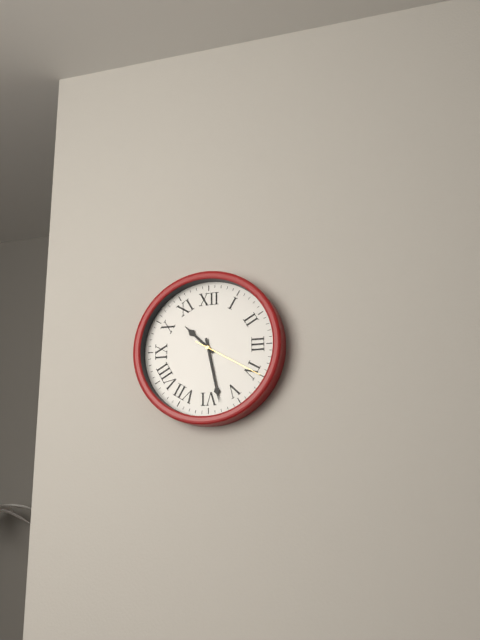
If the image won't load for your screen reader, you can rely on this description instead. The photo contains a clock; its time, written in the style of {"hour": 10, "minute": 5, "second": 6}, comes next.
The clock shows {"hour": 10, "minute": 28, "second": 20}
